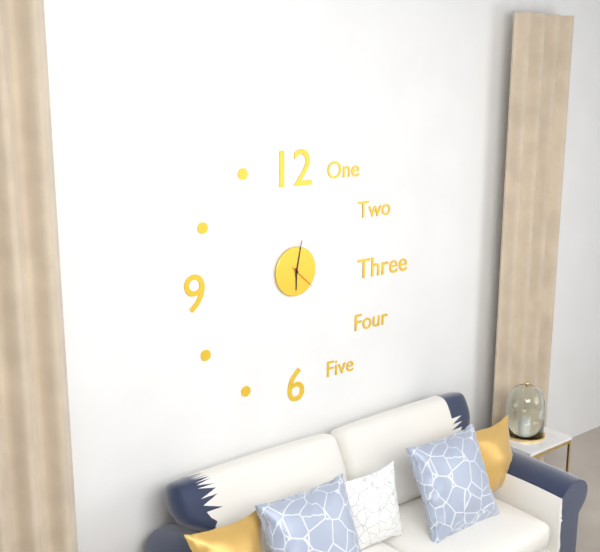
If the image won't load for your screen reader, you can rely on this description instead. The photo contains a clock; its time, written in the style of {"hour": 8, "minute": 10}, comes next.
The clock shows {"hour": 6, "minute": 2}
